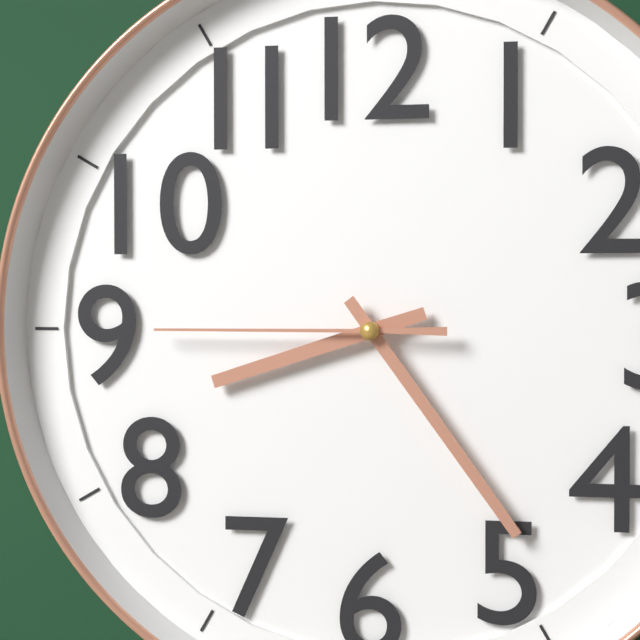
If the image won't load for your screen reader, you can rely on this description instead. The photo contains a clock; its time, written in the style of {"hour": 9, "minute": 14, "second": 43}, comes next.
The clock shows {"hour": 8, "minute": 24, "second": 45}
